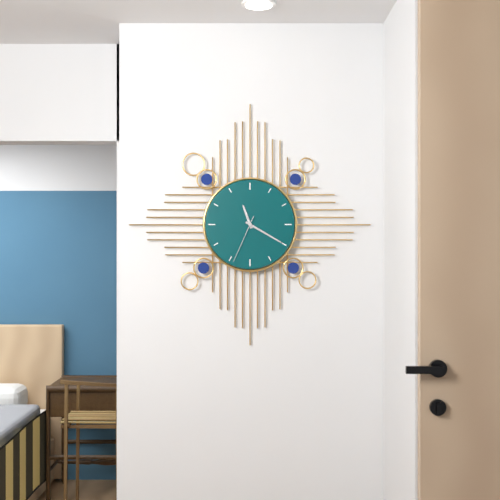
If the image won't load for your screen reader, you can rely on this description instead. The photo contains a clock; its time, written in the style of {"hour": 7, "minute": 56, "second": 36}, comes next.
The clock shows {"hour": 11, "minute": 20, "second": 34}
